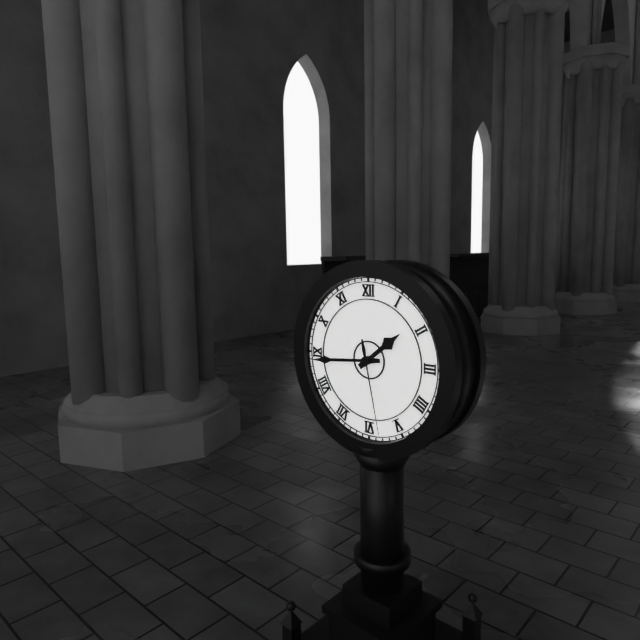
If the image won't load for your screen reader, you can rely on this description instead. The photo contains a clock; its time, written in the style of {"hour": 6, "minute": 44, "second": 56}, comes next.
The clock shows {"hour": 1, "minute": 44, "second": 28}
